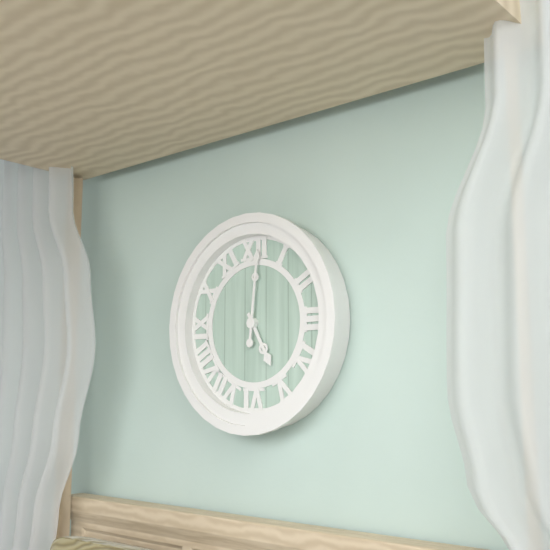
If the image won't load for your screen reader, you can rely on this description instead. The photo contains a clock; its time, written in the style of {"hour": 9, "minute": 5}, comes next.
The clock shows {"hour": 5, "minute": 1}
